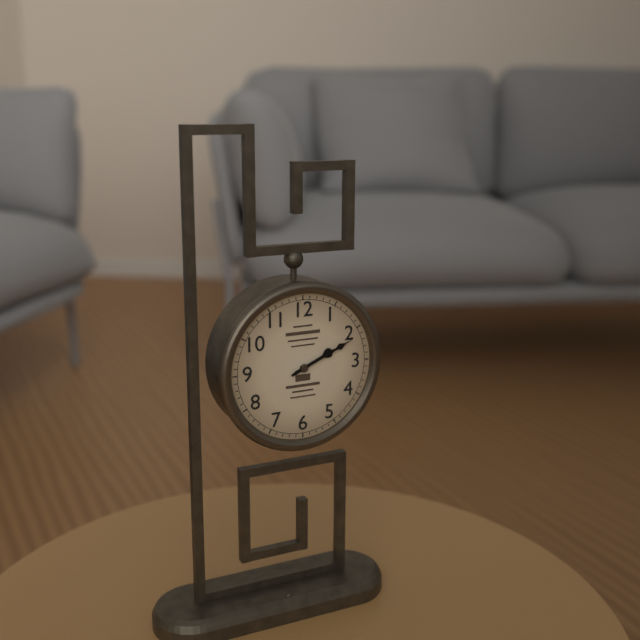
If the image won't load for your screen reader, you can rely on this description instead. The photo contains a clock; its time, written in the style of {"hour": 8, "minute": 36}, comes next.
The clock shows {"hour": 2, "minute": 11}
